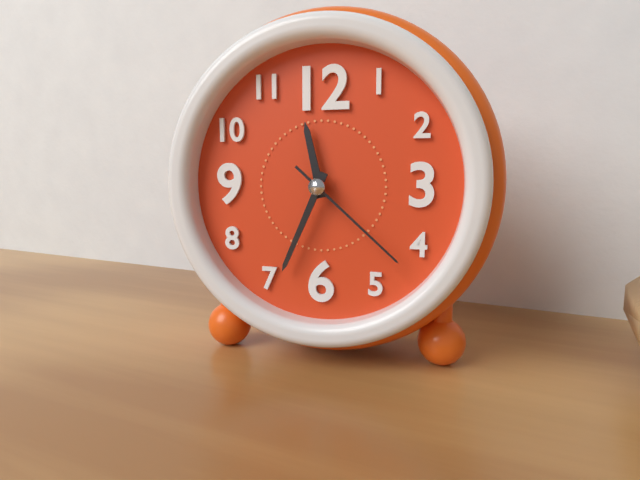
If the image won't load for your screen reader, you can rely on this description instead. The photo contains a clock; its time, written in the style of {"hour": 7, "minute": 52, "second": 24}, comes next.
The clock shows {"hour": 11, "minute": 34, "second": 22}
